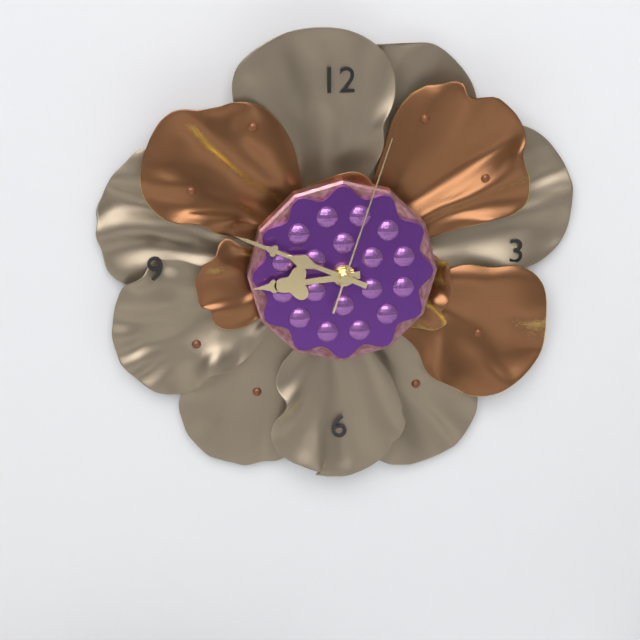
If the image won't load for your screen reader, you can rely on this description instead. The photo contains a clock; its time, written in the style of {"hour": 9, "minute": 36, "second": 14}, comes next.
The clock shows {"hour": 8, "minute": 49, "second": 3}
